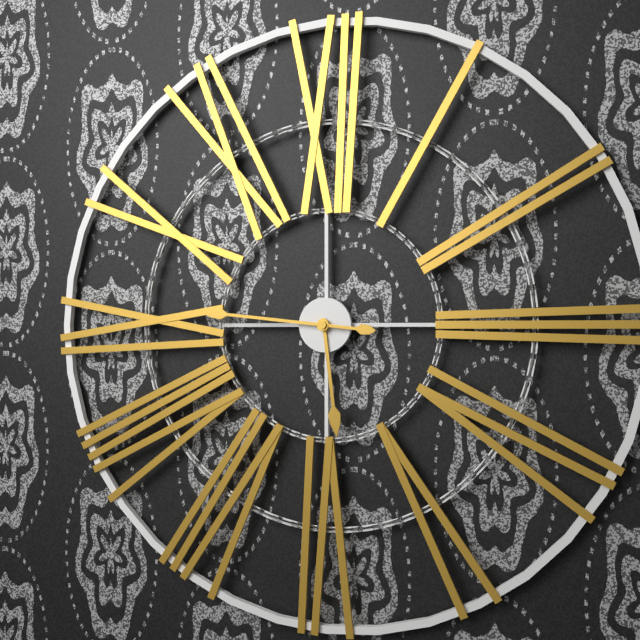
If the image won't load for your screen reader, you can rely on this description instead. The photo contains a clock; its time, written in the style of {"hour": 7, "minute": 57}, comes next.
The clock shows {"hour": 5, "minute": 46}
